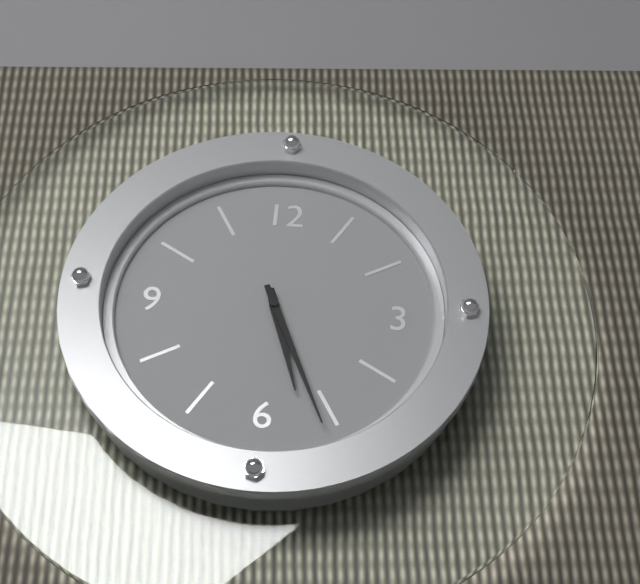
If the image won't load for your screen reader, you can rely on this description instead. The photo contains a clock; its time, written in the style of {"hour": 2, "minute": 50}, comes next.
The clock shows {"hour": 5, "minute": 26}
